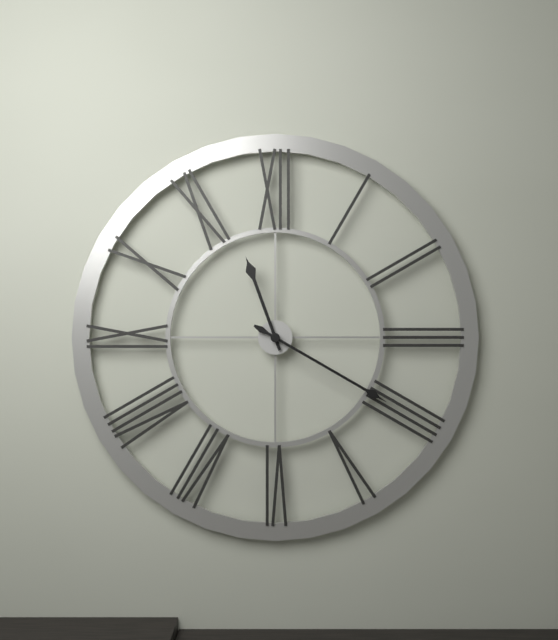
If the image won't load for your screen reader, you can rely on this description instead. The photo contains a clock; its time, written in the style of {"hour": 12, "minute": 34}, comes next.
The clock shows {"hour": 11, "minute": 20}
